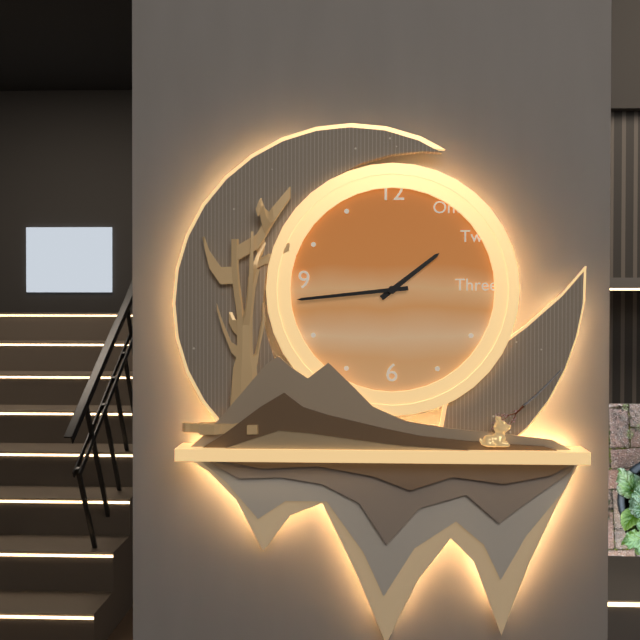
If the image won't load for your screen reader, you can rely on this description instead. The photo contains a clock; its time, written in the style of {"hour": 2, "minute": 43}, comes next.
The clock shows {"hour": 1, "minute": 44}
